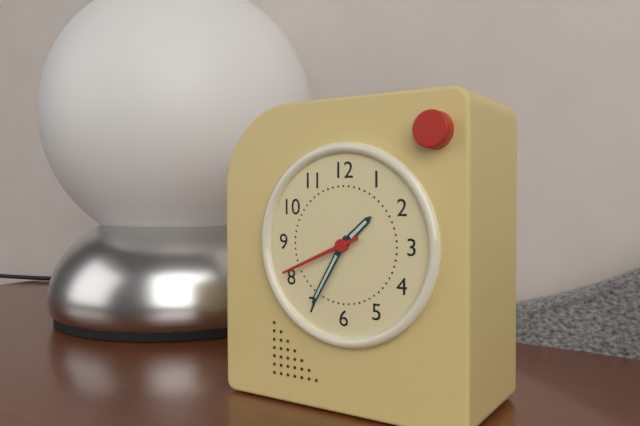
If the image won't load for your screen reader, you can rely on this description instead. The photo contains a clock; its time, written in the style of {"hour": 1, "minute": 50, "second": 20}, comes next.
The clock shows {"hour": 1, "minute": 35, "second": 41}
